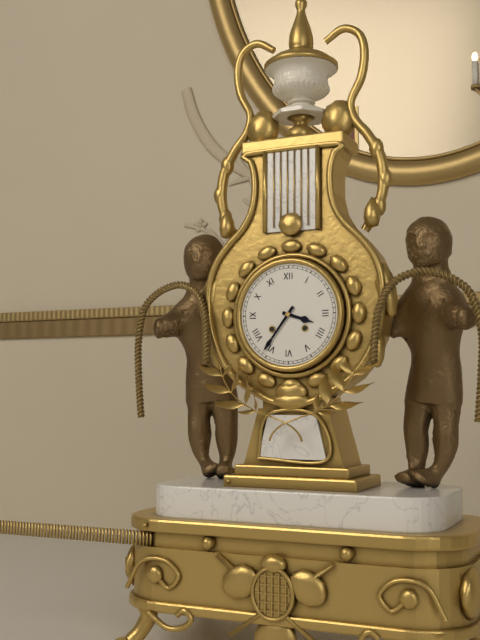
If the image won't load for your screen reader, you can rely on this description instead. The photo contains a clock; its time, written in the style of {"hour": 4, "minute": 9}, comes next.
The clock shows {"hour": 3, "minute": 36}
